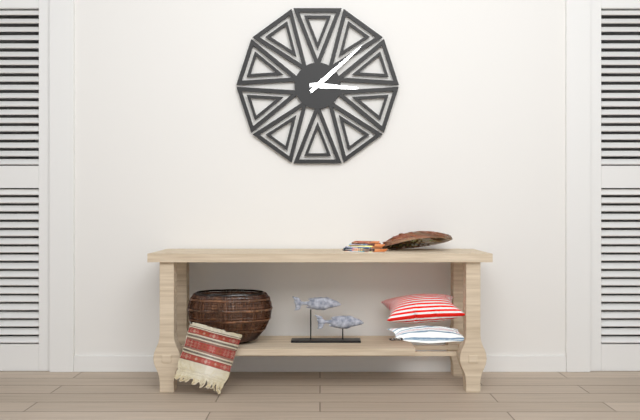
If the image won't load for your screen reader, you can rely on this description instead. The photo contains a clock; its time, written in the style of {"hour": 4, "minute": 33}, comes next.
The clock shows {"hour": 3, "minute": 8}
